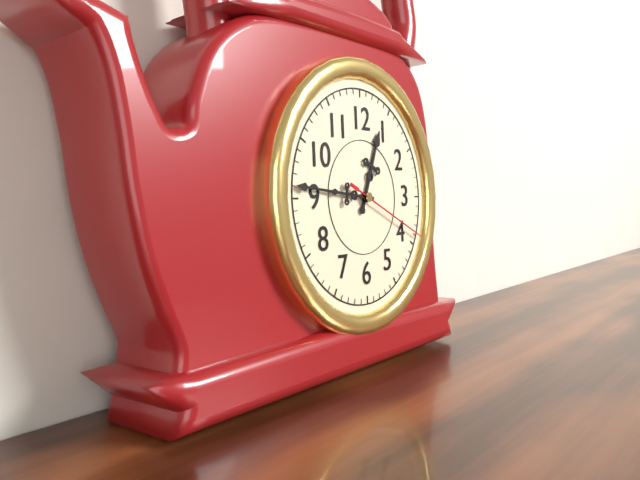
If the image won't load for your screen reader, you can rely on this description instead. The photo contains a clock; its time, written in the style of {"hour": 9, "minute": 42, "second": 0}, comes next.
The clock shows {"hour": 12, "minute": 46, "second": 19}
